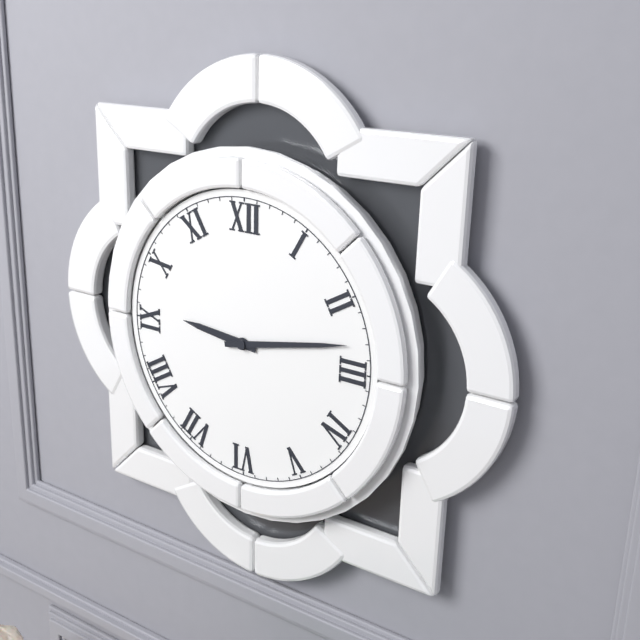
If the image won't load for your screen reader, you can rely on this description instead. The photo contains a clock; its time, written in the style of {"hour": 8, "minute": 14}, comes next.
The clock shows {"hour": 9, "minute": 13}
